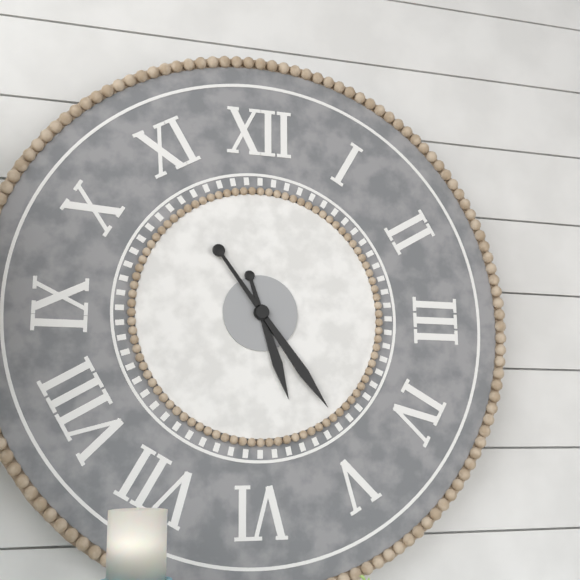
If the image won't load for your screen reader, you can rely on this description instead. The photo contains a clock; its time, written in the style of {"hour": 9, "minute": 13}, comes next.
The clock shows {"hour": 5, "minute": 24}
